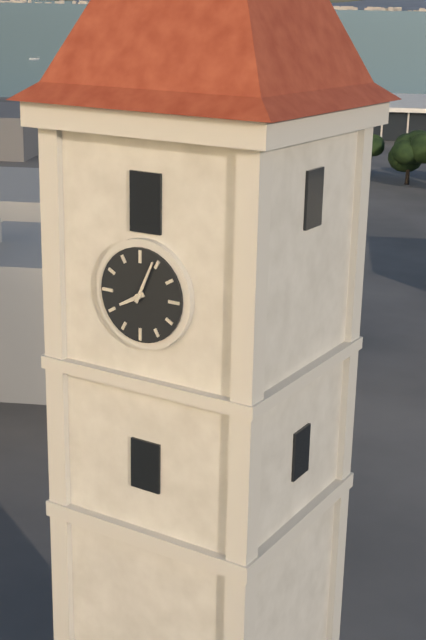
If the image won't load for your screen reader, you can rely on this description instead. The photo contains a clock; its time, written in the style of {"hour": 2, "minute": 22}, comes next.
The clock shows {"hour": 8, "minute": 4}
